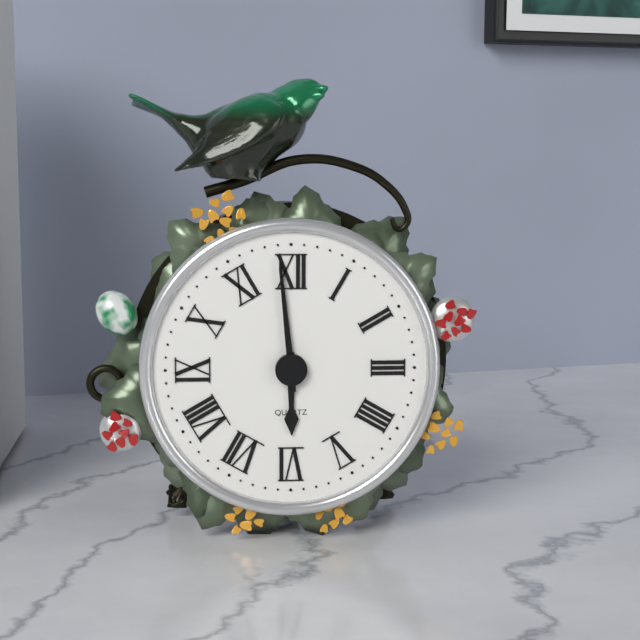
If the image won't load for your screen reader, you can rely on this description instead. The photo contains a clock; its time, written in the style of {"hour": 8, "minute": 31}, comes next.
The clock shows {"hour": 5, "minute": 59}
